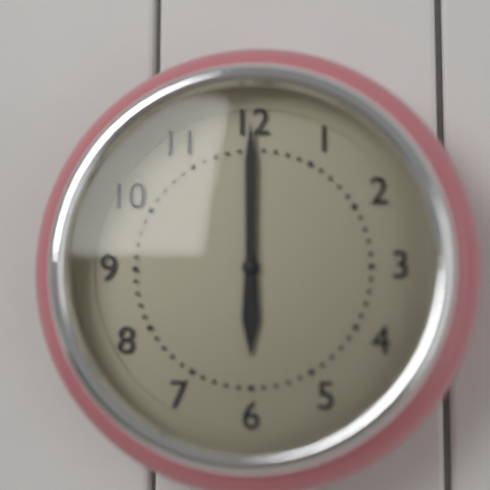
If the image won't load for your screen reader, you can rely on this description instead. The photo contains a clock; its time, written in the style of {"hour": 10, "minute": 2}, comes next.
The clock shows {"hour": 6, "minute": 0}
